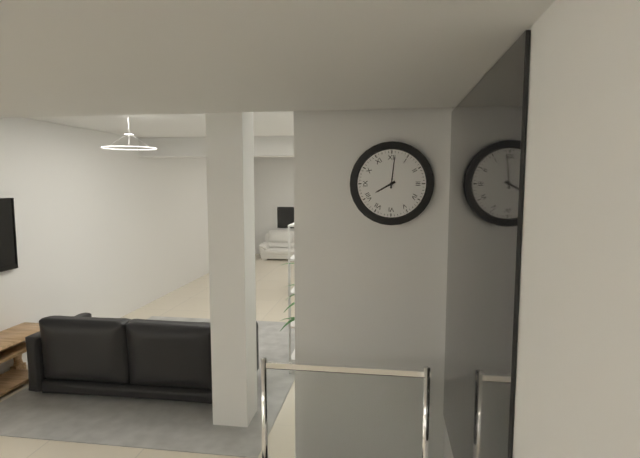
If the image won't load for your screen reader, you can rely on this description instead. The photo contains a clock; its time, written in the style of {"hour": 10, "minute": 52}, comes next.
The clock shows {"hour": 8, "minute": 1}
